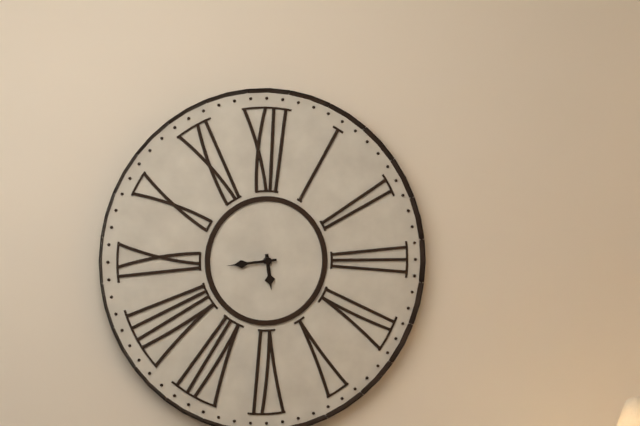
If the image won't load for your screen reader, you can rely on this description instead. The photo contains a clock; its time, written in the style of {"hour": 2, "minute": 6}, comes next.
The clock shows {"hour": 5, "minute": 44}
